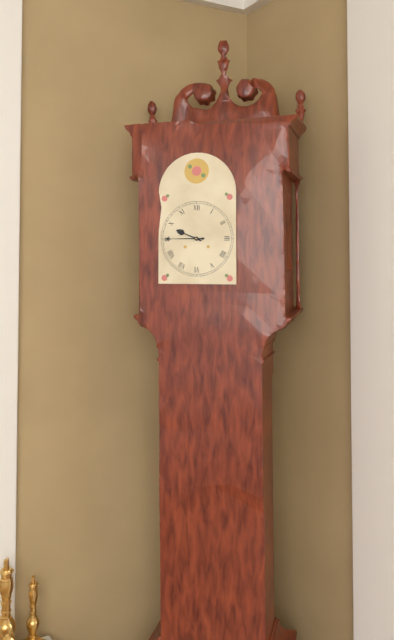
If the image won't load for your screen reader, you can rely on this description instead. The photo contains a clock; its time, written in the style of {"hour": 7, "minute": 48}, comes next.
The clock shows {"hour": 9, "minute": 45}
